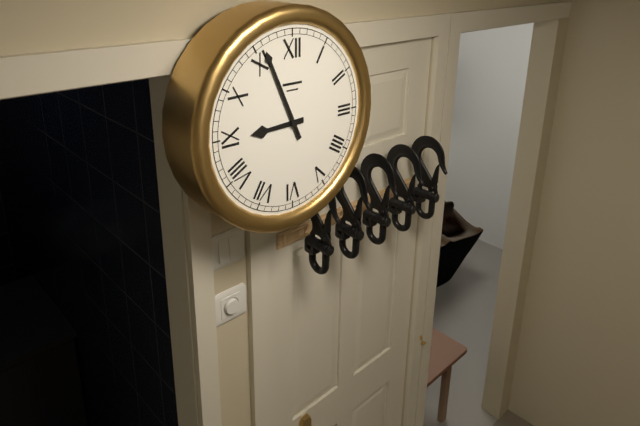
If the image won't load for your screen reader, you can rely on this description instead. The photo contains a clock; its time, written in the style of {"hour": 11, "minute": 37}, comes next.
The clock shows {"hour": 8, "minute": 56}
